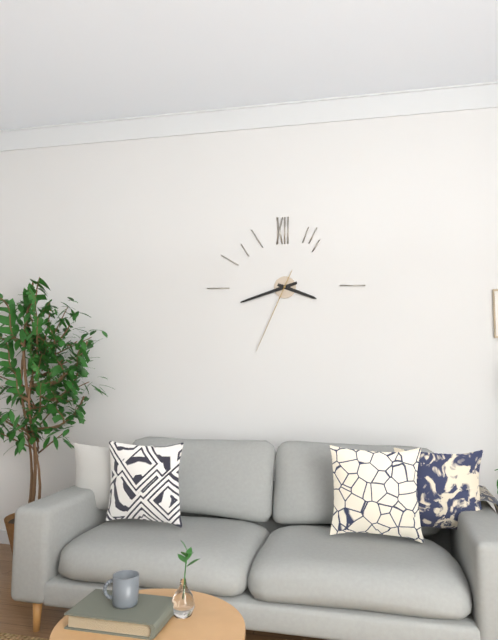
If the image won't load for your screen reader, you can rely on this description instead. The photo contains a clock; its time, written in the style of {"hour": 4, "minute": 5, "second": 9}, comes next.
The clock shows {"hour": 3, "minute": 42, "second": 34}
